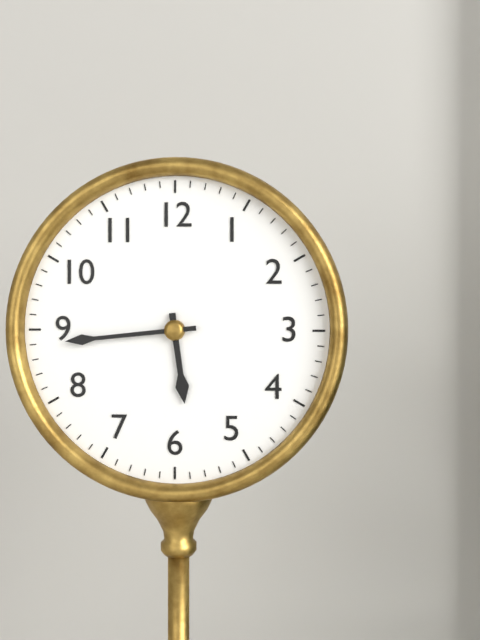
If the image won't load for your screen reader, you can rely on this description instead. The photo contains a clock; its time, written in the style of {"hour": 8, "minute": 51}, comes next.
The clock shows {"hour": 5, "minute": 44}
